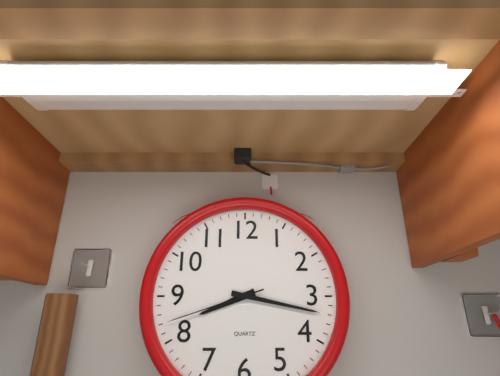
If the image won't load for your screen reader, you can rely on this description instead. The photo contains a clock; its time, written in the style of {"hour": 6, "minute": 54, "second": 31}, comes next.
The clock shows {"hour": 8, "minute": 17, "second": 42}
